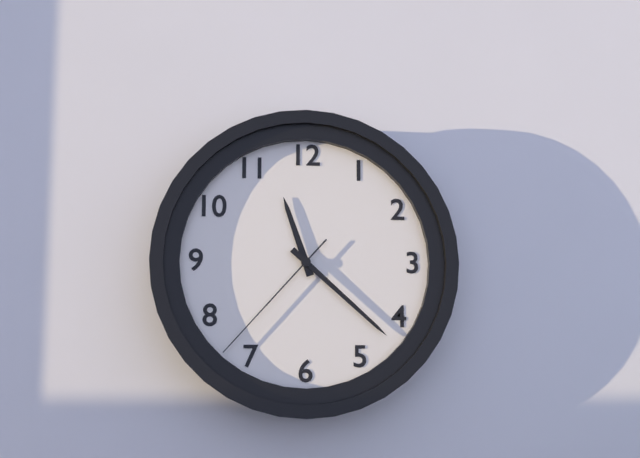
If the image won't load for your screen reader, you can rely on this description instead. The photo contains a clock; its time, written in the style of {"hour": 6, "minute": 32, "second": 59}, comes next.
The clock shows {"hour": 11, "minute": 22, "second": 37}
